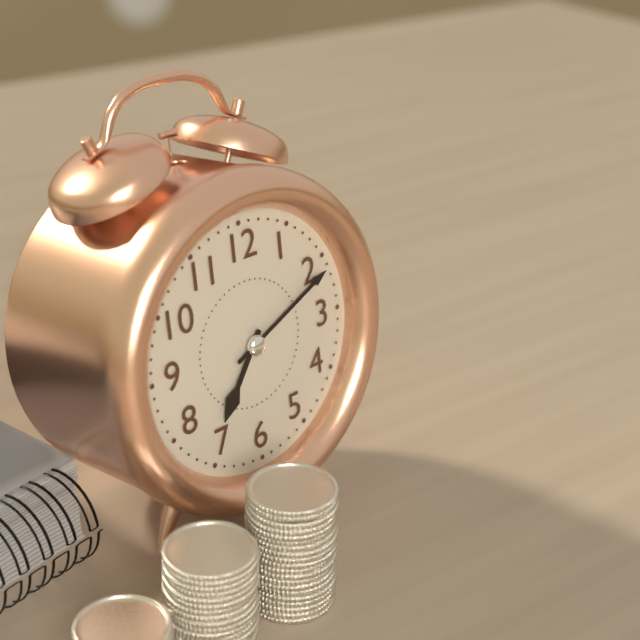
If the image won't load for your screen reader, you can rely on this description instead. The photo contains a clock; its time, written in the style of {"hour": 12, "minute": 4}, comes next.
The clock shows {"hour": 7, "minute": 11}
